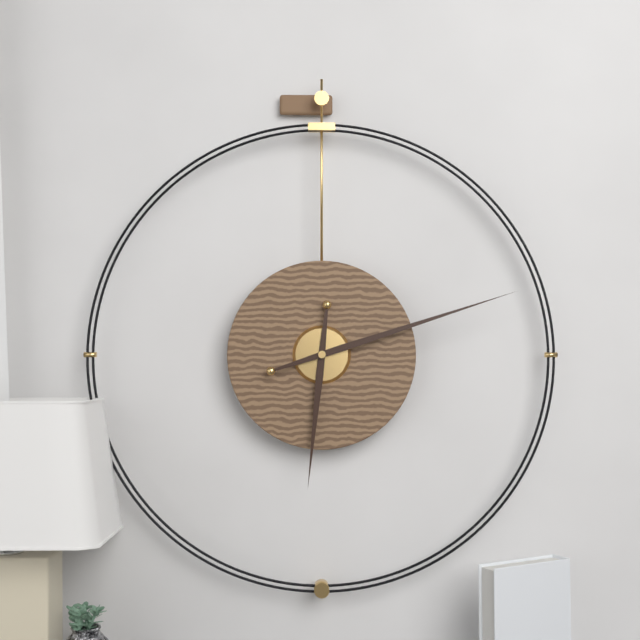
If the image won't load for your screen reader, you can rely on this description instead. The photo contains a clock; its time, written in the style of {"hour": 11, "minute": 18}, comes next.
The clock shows {"hour": 6, "minute": 12}
